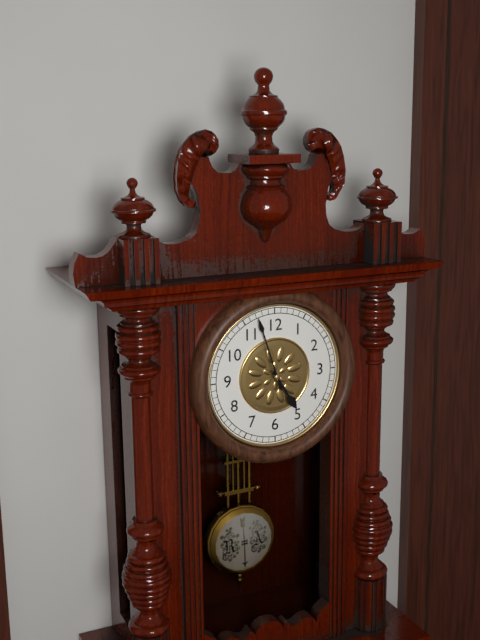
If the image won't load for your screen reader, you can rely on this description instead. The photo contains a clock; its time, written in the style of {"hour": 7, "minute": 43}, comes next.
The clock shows {"hour": 4, "minute": 57}
